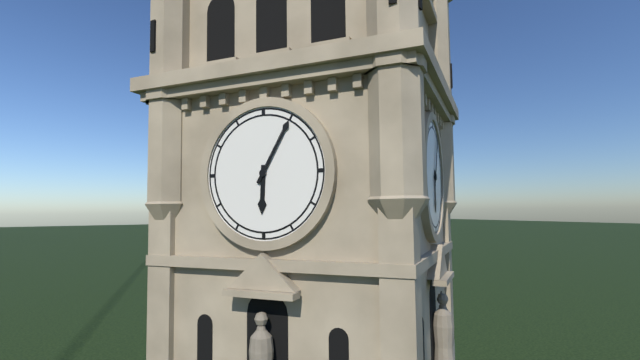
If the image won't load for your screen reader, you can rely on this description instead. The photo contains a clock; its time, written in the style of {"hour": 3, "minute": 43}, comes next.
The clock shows {"hour": 6, "minute": 5}
